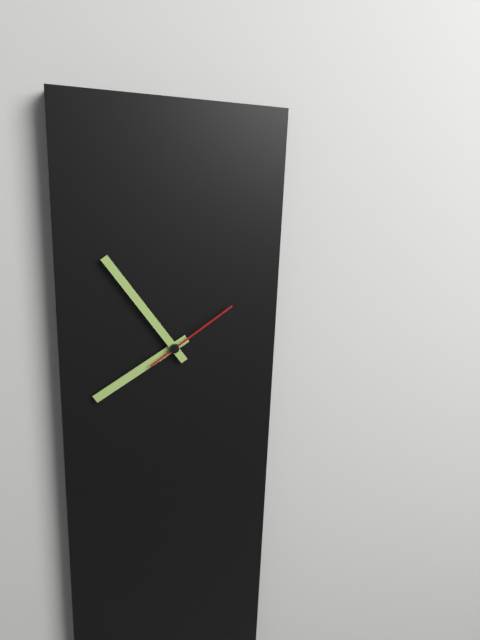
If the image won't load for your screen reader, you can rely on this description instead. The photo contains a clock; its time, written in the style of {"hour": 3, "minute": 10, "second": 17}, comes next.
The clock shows {"hour": 7, "minute": 54, "second": 9}
